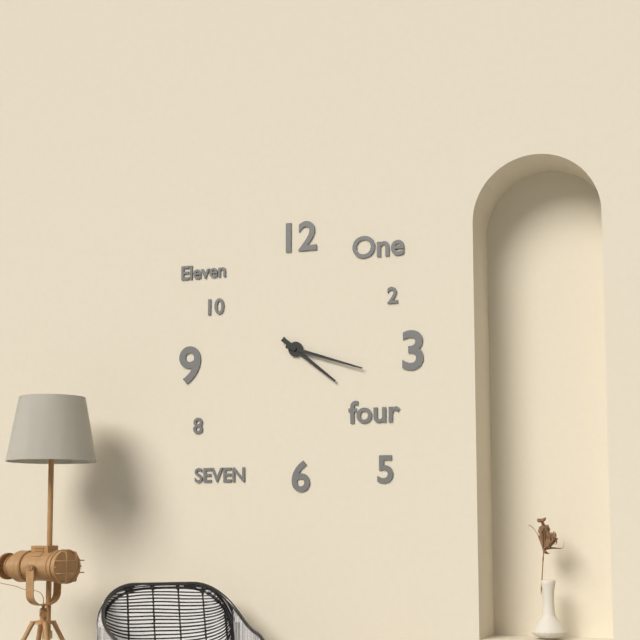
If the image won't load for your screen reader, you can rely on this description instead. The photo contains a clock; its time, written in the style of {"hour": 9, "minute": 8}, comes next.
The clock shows {"hour": 4, "minute": 18}
